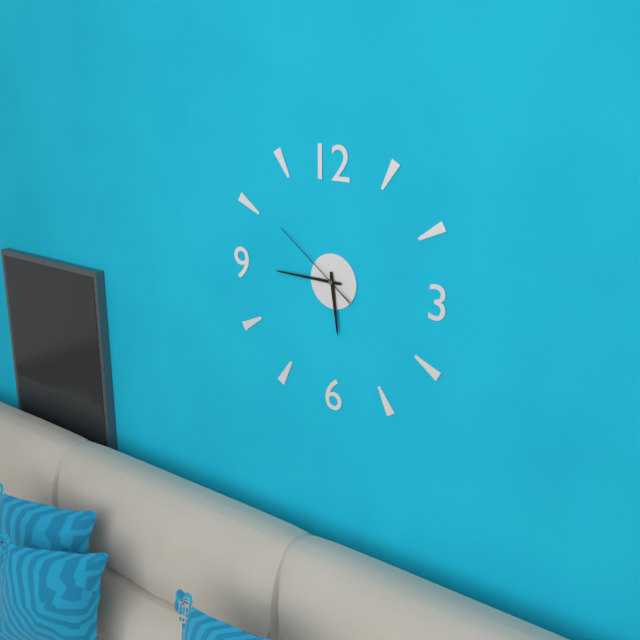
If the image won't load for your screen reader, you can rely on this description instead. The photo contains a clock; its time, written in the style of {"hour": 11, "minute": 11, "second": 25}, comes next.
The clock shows {"hour": 5, "minute": 45, "second": 51}
